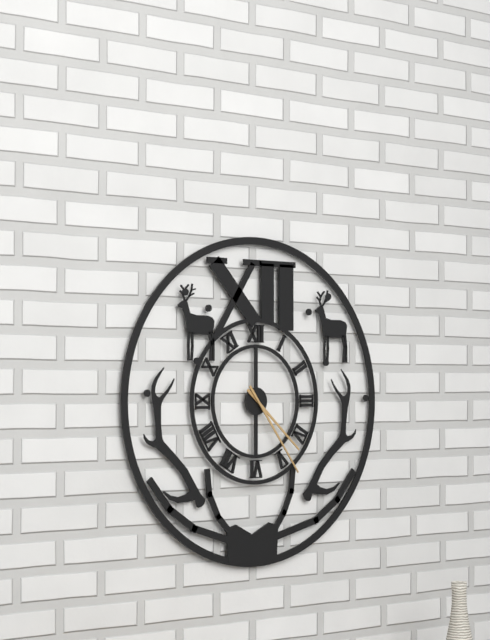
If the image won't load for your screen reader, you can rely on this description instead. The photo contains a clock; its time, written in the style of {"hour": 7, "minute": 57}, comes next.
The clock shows {"hour": 4, "minute": 24}
